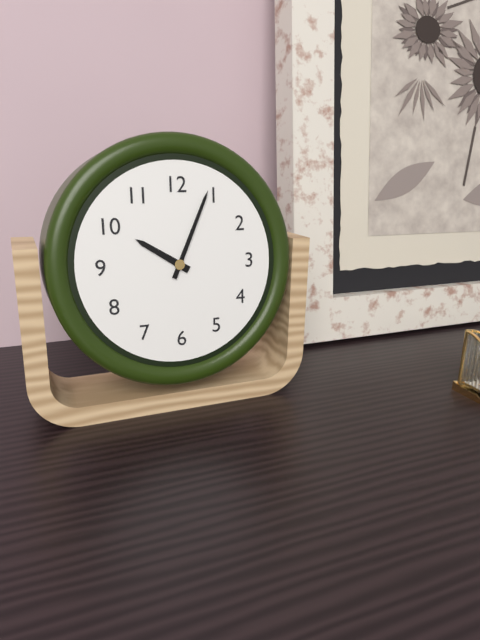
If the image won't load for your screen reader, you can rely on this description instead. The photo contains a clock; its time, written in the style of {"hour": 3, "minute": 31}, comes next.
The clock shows {"hour": 10, "minute": 4}
